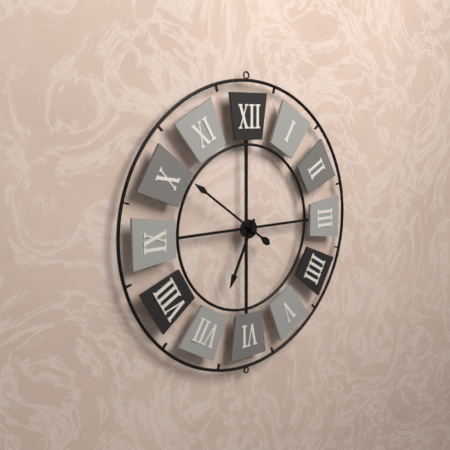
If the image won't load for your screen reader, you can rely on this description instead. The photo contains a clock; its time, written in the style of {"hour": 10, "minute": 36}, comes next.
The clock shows {"hour": 6, "minute": 51}
